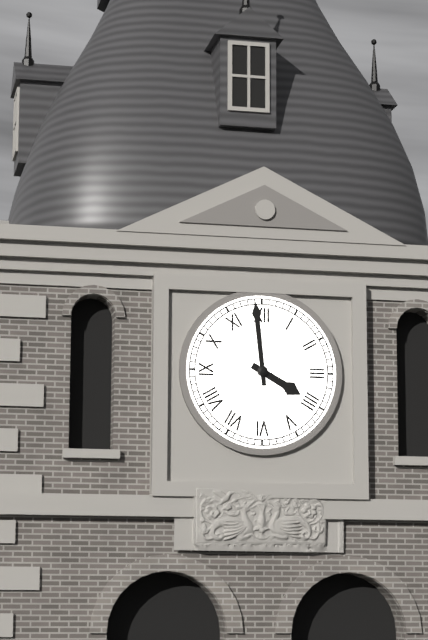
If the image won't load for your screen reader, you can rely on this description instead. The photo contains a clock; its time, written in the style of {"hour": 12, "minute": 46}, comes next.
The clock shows {"hour": 3, "minute": 59}
